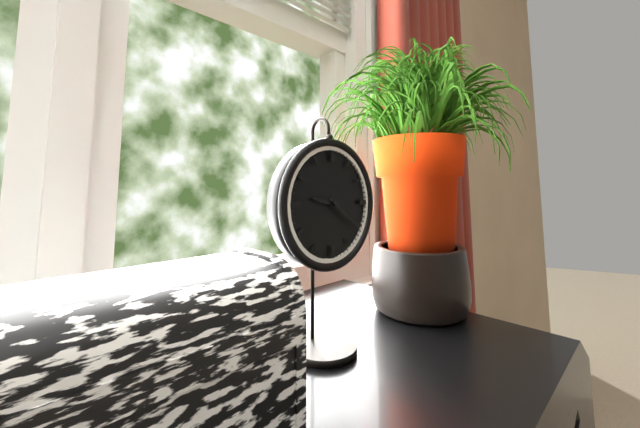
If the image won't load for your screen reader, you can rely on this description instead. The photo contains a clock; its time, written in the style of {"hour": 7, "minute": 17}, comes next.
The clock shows {"hour": 9, "minute": 21}
